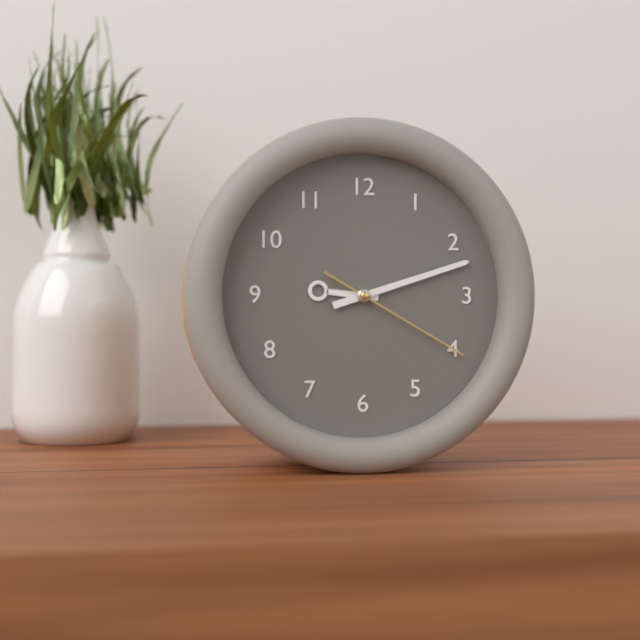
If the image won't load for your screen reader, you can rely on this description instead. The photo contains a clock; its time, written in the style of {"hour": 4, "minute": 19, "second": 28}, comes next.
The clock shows {"hour": 9, "minute": 12, "second": 20}
